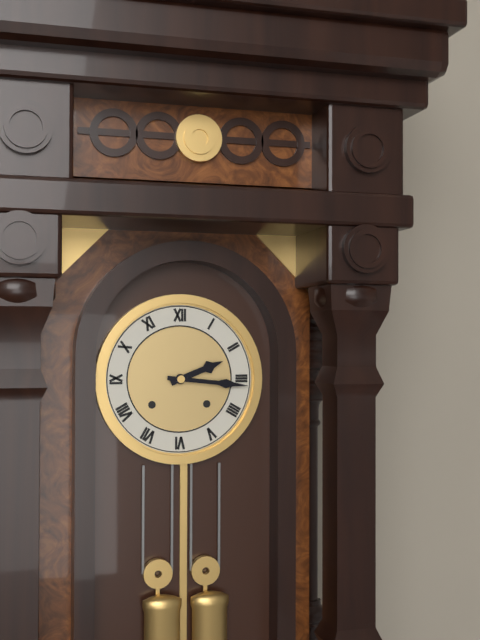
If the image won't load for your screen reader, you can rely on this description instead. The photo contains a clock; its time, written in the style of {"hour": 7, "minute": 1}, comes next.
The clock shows {"hour": 2, "minute": 16}
